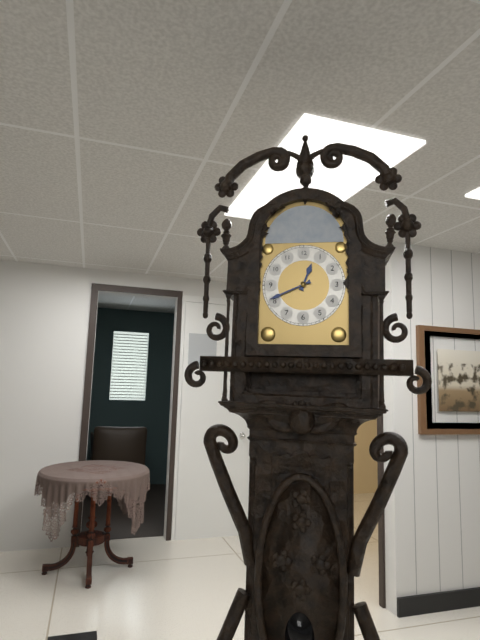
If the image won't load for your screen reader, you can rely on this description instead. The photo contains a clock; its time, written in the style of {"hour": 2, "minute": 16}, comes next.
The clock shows {"hour": 12, "minute": 41}
